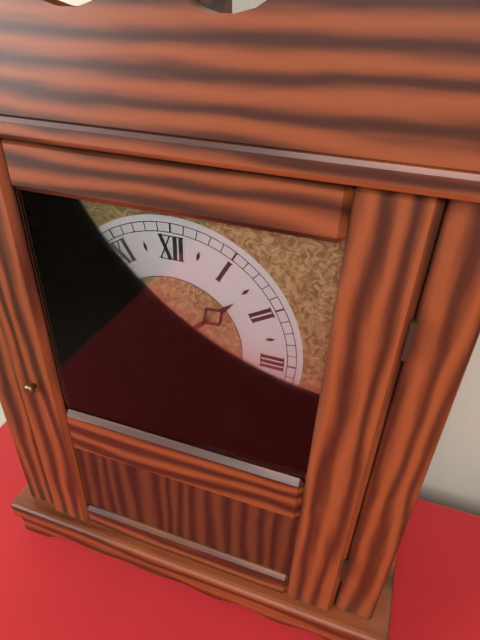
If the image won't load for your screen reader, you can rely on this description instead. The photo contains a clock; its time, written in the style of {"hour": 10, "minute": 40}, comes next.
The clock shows {"hour": 1, "minute": 33}
